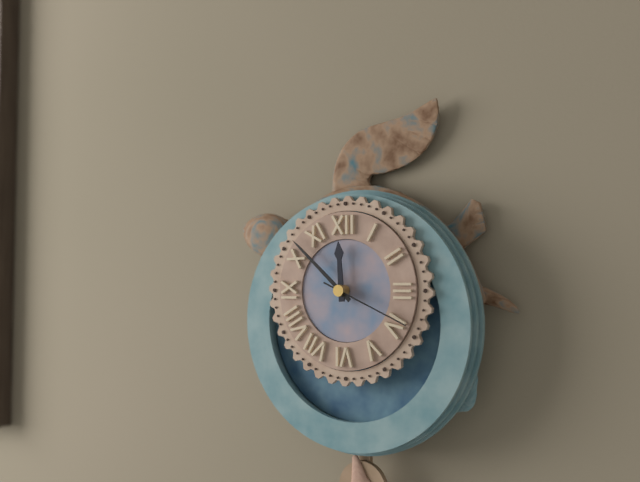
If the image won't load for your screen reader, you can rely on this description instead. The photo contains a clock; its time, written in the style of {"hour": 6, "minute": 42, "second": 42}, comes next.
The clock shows {"hour": 11, "minute": 52, "second": 19}
